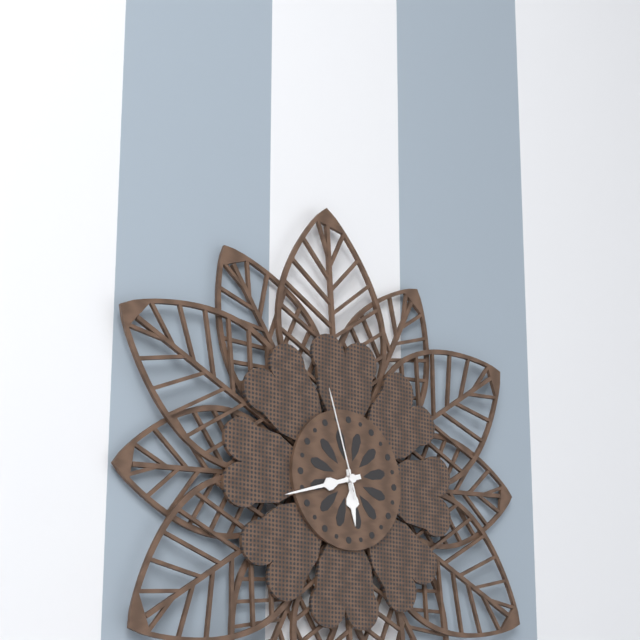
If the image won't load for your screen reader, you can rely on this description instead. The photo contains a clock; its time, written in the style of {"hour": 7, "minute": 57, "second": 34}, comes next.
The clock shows {"hour": 5, "minute": 42, "second": 57}
